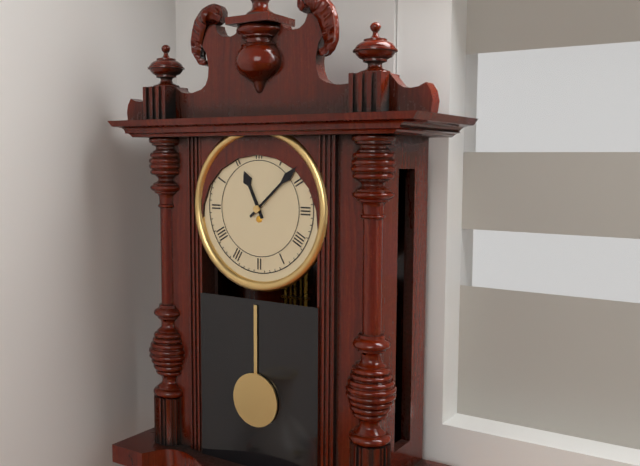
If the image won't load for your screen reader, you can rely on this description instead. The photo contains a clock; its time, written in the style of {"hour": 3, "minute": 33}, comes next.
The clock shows {"hour": 11, "minute": 8}
